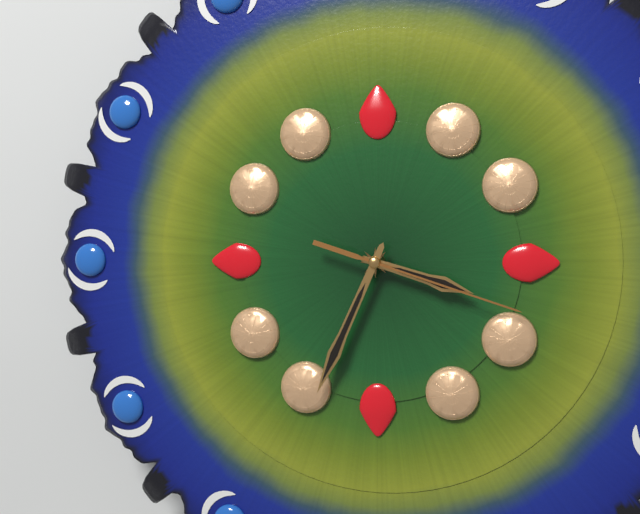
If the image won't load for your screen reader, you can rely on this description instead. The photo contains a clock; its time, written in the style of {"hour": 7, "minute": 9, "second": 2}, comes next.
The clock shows {"hour": 3, "minute": 34, "second": 18}
